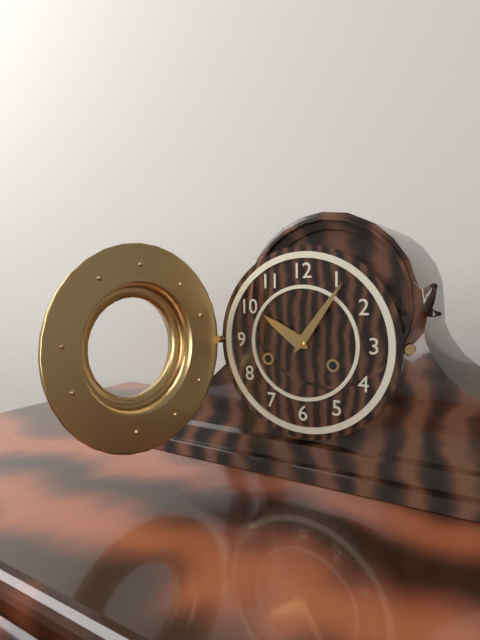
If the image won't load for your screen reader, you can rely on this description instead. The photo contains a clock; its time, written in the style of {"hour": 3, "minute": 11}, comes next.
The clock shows {"hour": 10, "minute": 6}
